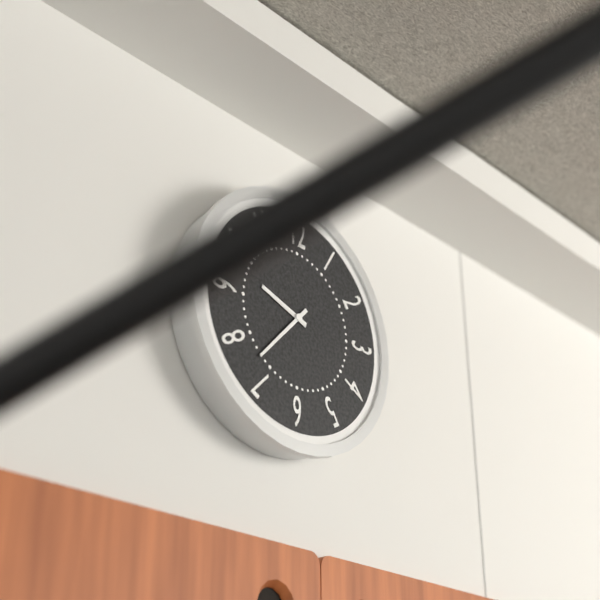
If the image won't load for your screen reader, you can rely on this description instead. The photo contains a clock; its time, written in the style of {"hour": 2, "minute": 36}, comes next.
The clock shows {"hour": 9, "minute": 37}
